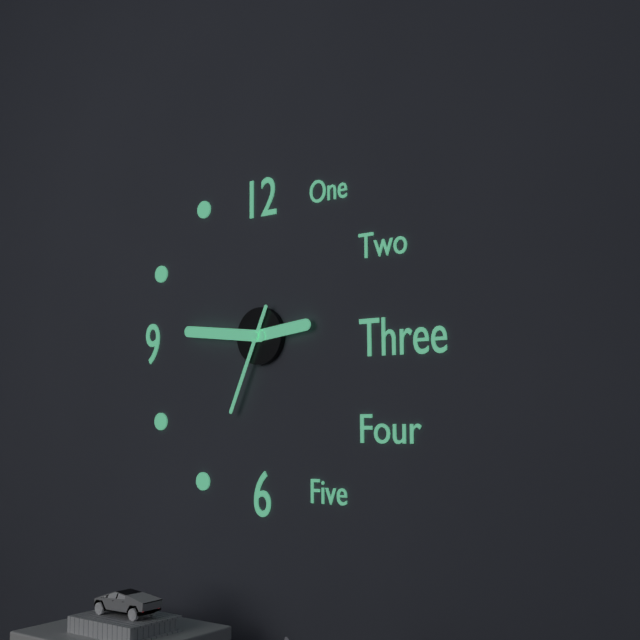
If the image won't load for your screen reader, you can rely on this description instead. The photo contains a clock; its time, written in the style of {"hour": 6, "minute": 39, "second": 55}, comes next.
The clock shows {"hour": 2, "minute": 46, "second": 34}
